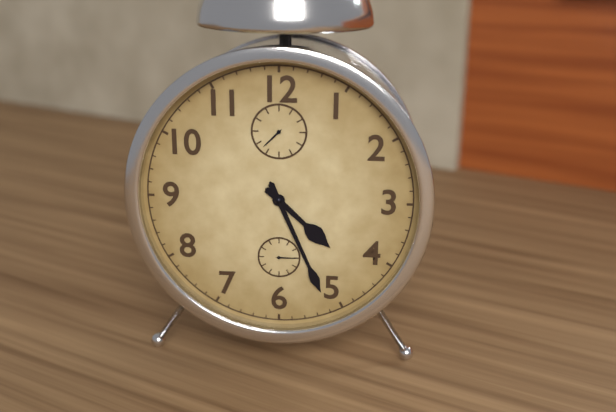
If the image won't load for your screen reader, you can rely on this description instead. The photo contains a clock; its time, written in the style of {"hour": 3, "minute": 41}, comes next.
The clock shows {"hour": 4, "minute": 26}
